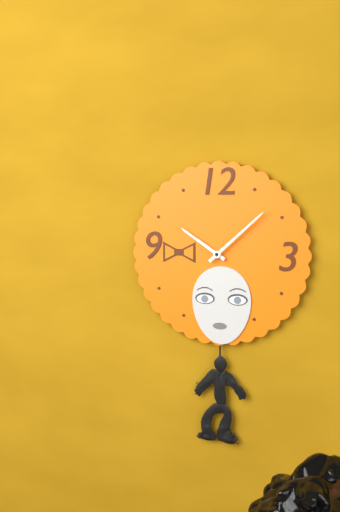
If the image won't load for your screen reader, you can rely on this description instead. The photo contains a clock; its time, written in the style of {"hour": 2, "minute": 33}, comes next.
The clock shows {"hour": 10, "minute": 8}
